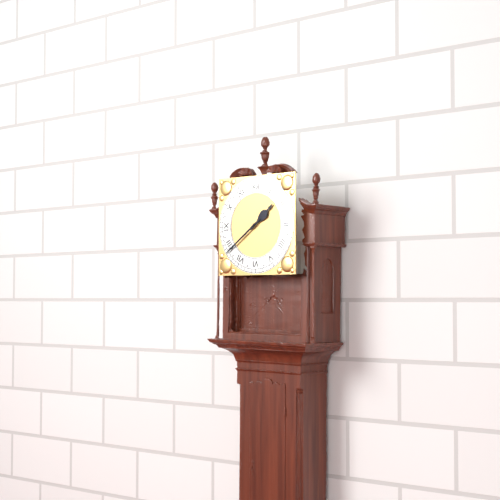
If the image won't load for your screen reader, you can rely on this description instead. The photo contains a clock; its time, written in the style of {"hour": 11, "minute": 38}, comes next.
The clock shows {"hour": 1, "minute": 39}
